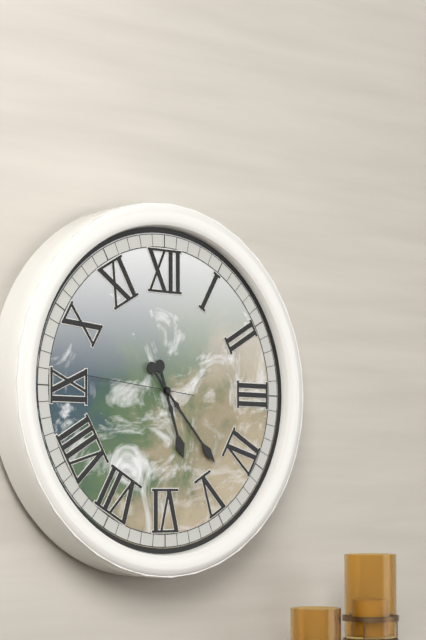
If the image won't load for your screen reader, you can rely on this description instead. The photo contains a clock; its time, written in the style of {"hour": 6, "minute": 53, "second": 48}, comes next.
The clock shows {"hour": 5, "minute": 23, "second": 46}
